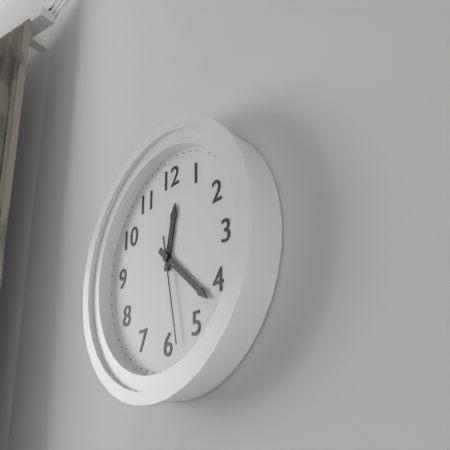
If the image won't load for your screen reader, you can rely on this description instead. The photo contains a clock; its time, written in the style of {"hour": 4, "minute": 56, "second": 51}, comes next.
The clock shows {"hour": 12, "minute": 22, "second": 28}
